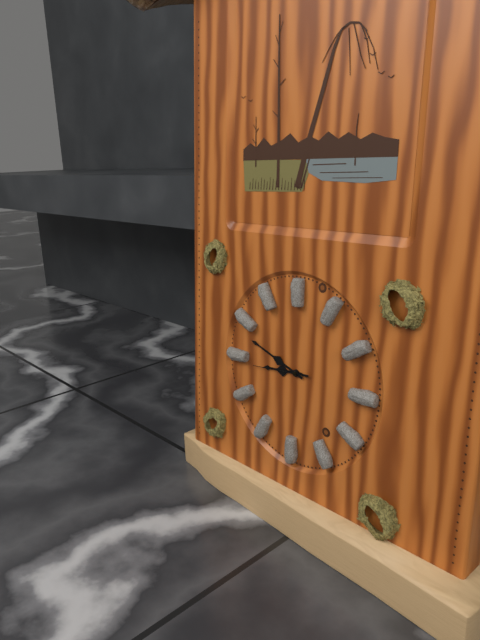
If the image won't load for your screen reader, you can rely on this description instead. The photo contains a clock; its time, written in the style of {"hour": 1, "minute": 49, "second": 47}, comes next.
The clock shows {"hour": 8, "minute": 48, "second": 44}
